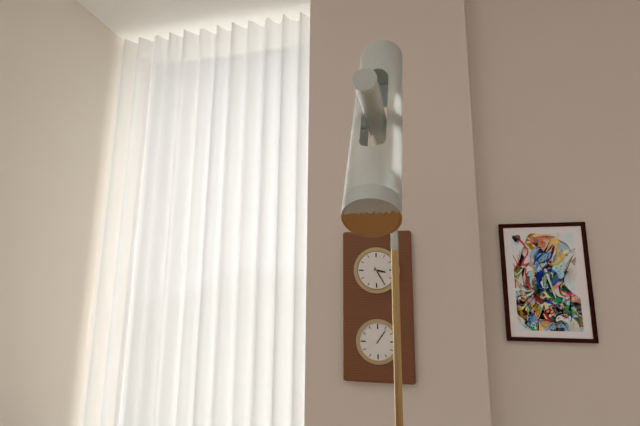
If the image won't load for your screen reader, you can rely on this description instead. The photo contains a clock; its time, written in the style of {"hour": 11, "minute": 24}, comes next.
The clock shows {"hour": 3, "minute": 25}
